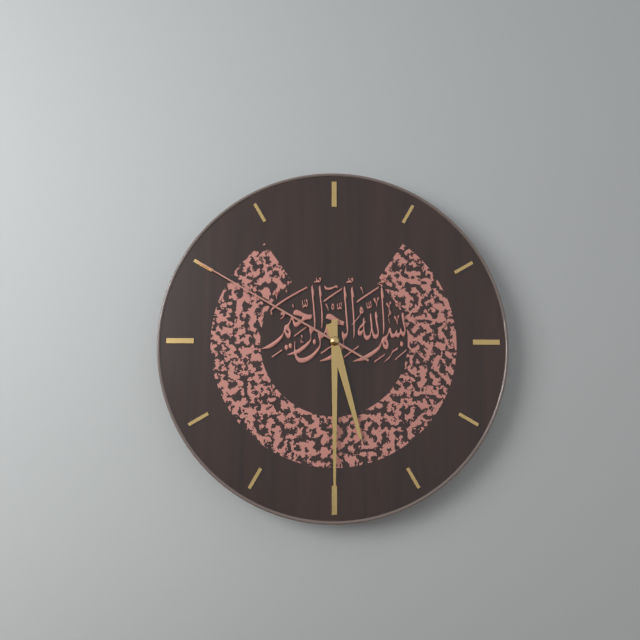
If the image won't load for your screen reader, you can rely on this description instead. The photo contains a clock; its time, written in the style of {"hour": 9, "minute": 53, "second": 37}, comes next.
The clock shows {"hour": 5, "minute": 30, "second": 50}
